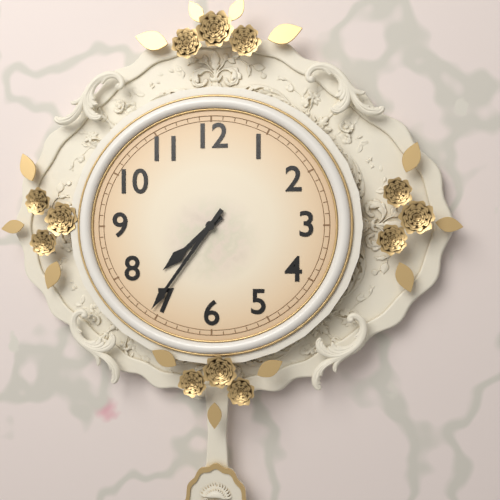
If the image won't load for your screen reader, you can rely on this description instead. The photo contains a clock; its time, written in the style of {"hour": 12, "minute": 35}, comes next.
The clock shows {"hour": 7, "minute": 36}
